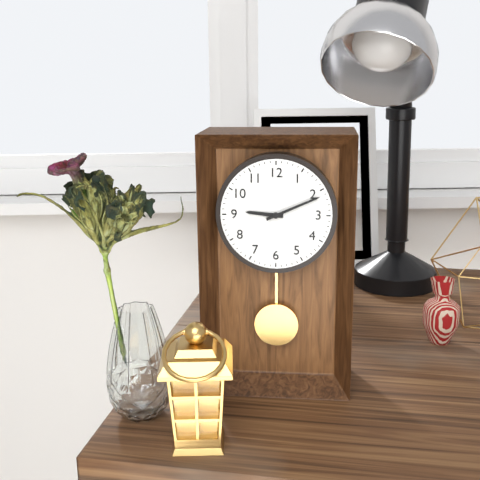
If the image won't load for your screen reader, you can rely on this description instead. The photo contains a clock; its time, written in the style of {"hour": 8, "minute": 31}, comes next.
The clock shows {"hour": 9, "minute": 11}
